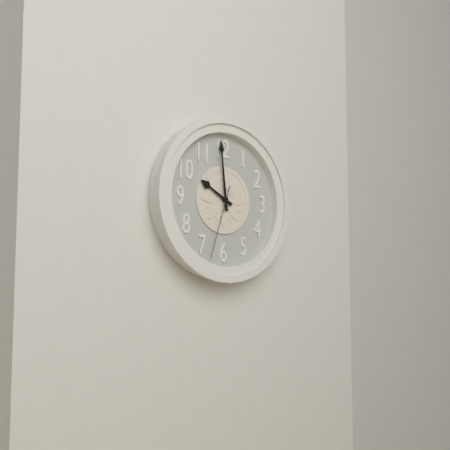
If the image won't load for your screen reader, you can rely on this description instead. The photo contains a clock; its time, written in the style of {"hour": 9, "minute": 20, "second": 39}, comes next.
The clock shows {"hour": 9, "minute": 59, "second": 33}
